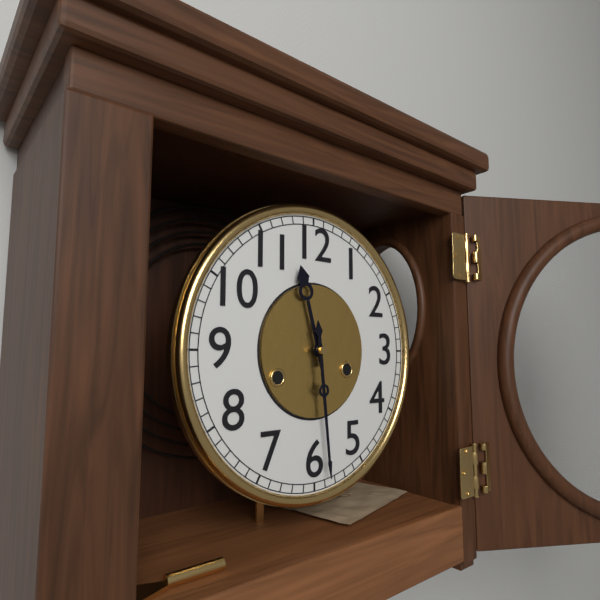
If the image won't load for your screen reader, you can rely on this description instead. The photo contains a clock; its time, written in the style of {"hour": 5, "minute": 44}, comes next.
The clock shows {"hour": 11, "minute": 29}
